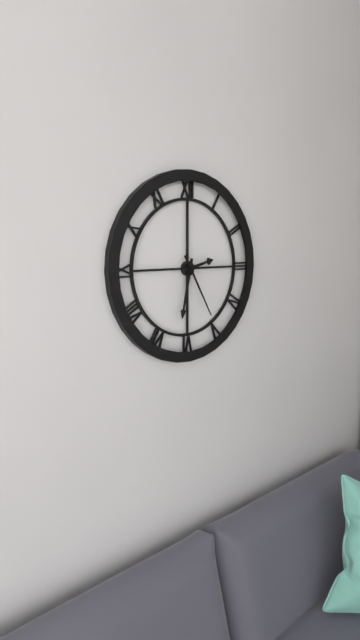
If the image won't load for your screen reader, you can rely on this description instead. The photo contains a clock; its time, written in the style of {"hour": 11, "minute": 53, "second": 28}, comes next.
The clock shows {"hour": 2, "minute": 32, "second": 25}
